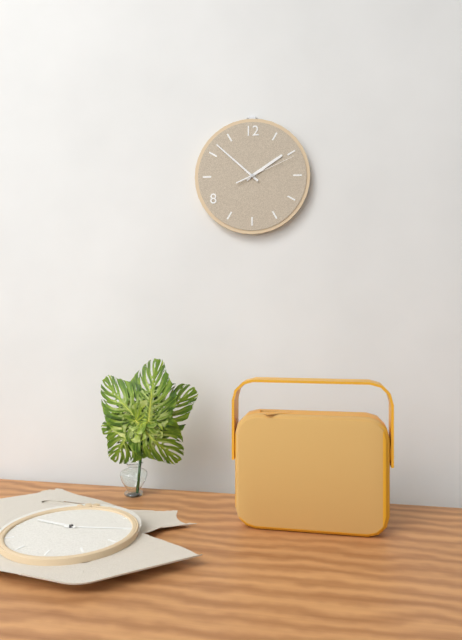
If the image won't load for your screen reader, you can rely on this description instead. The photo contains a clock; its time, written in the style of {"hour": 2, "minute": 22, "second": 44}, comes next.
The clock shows {"hour": 1, "minute": 52, "second": 11}
